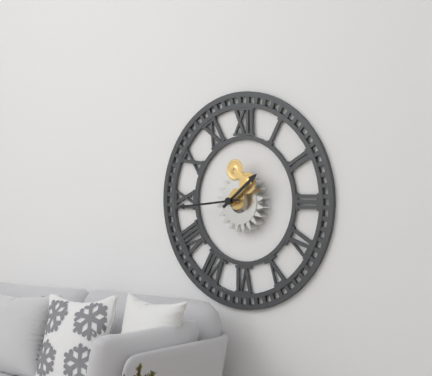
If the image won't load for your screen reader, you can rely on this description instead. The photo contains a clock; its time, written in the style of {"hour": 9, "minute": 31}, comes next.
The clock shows {"hour": 1, "minute": 44}
